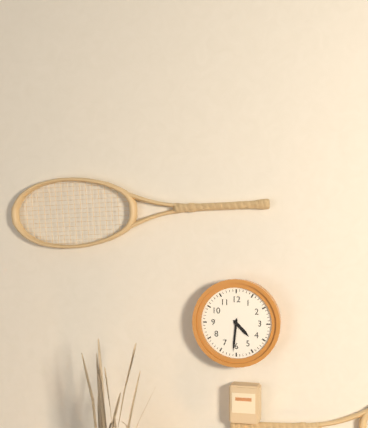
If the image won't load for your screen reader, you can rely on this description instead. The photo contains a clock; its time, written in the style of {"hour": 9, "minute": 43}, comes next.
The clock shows {"hour": 4, "minute": 31}
